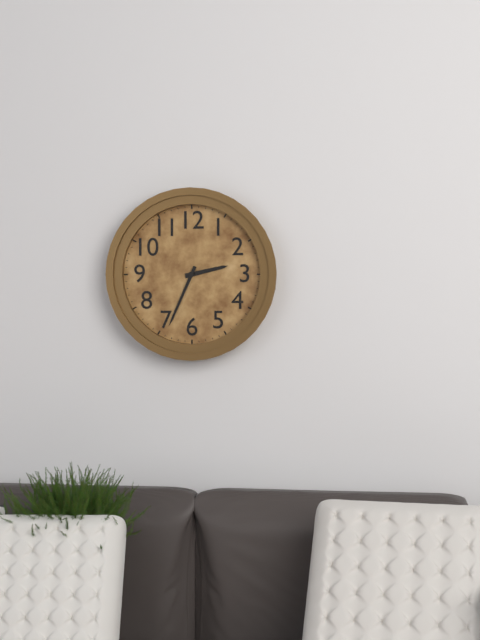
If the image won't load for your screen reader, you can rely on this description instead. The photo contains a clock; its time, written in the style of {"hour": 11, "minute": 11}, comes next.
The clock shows {"hour": 2, "minute": 34}
